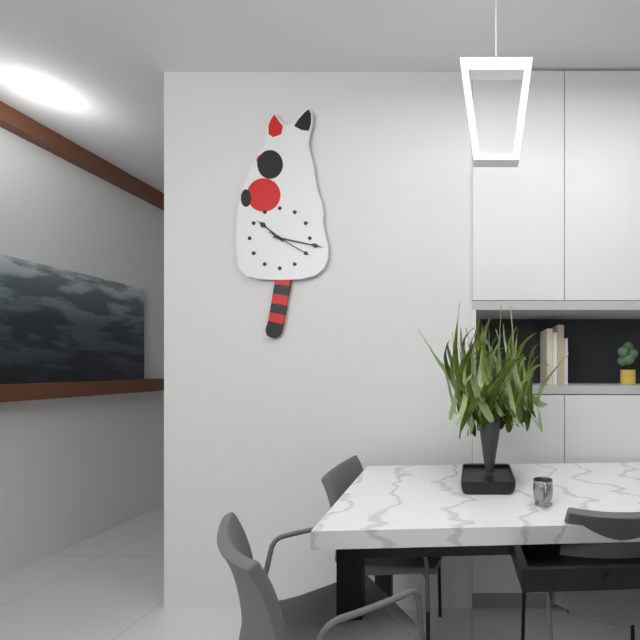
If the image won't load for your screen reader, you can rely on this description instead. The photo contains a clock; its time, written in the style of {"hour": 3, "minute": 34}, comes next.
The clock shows {"hour": 10, "minute": 17}
